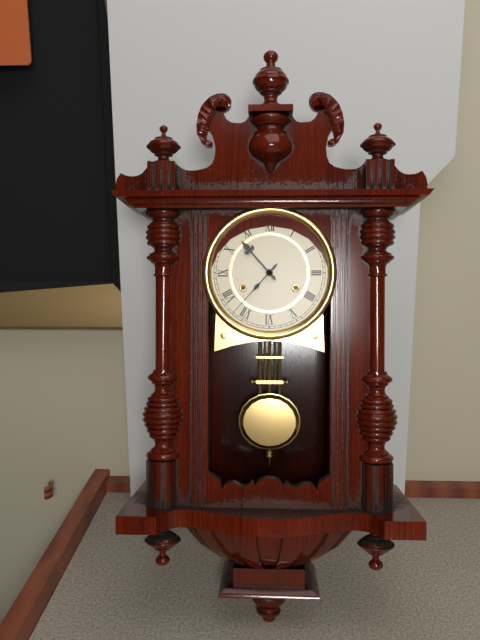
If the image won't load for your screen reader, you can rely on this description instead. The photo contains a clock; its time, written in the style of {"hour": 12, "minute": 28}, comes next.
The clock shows {"hour": 10, "minute": 37}
